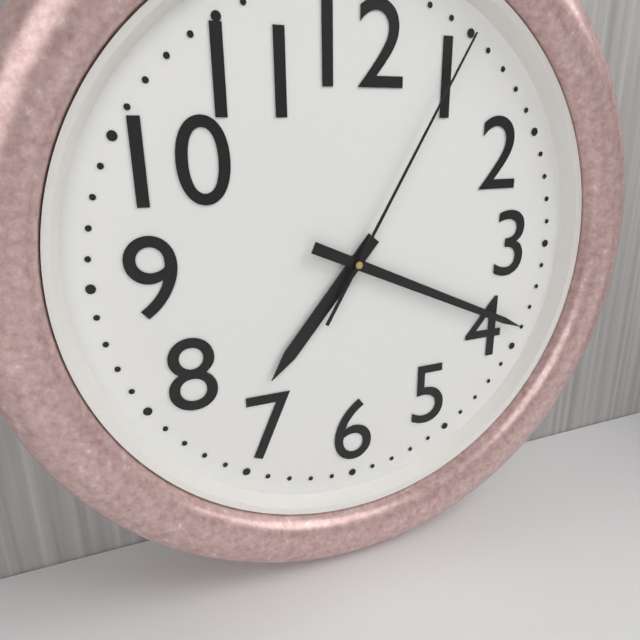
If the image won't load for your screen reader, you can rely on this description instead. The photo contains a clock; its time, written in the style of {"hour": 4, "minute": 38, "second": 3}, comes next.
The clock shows {"hour": 7, "minute": 19, "second": 5}
